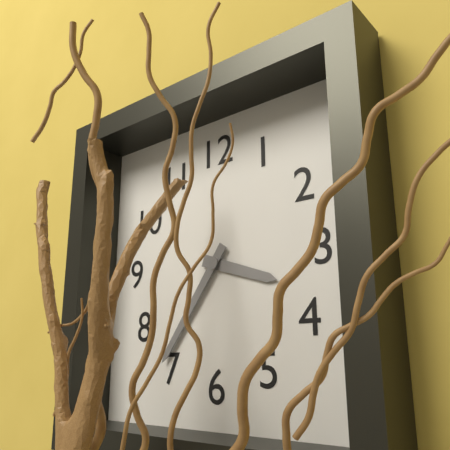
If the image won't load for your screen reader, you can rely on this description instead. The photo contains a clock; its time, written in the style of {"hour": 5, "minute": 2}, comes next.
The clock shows {"hour": 3, "minute": 36}
